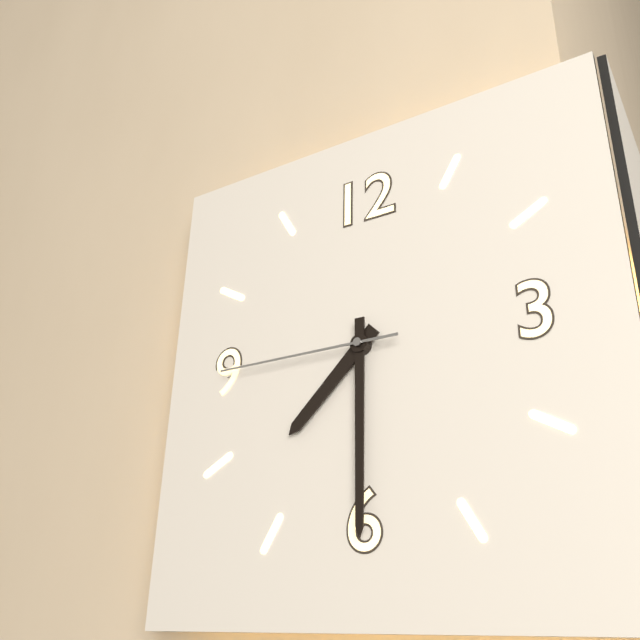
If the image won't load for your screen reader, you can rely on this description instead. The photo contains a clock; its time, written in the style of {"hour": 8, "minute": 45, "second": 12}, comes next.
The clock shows {"hour": 7, "minute": 30, "second": 45}
